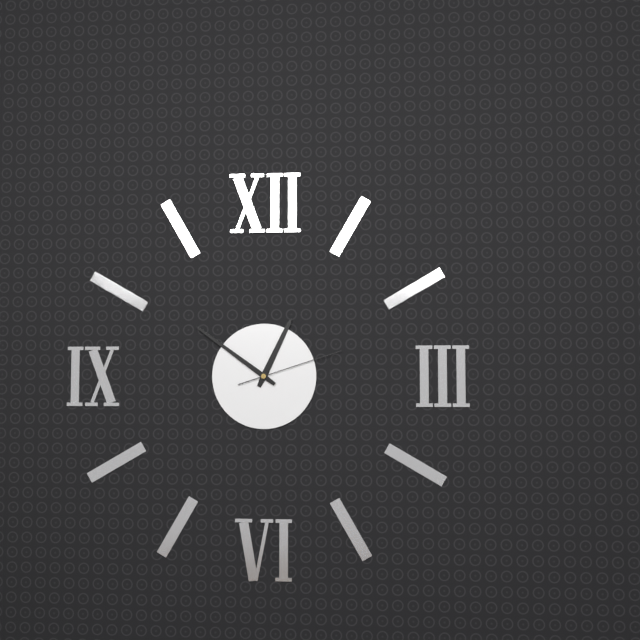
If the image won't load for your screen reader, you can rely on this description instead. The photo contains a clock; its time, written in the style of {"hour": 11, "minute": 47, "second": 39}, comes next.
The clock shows {"hour": 12, "minute": 51, "second": 12}
